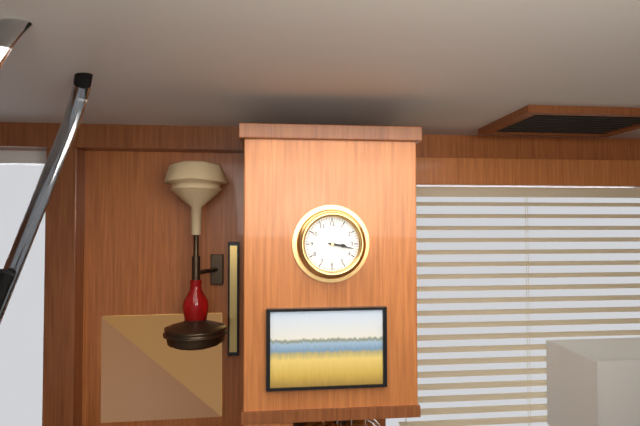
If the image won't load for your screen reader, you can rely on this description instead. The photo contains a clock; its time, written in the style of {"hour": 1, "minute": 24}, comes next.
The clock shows {"hour": 3, "minute": 17}
